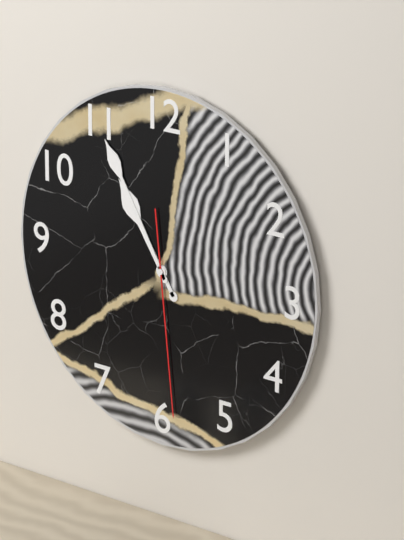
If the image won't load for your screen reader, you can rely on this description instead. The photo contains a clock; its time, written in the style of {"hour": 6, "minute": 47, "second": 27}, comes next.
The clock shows {"hour": 10, "minute": 55, "second": 29}
